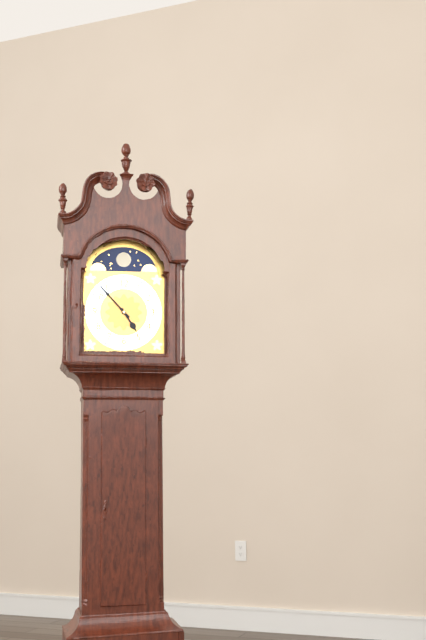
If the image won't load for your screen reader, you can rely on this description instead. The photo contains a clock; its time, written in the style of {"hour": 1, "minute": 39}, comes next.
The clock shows {"hour": 4, "minute": 53}
